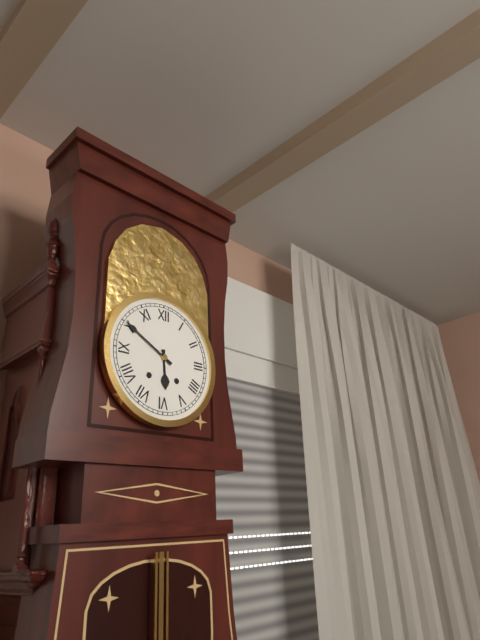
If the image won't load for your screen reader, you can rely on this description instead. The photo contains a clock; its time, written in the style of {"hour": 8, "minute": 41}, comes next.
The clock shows {"hour": 5, "minute": 50}
